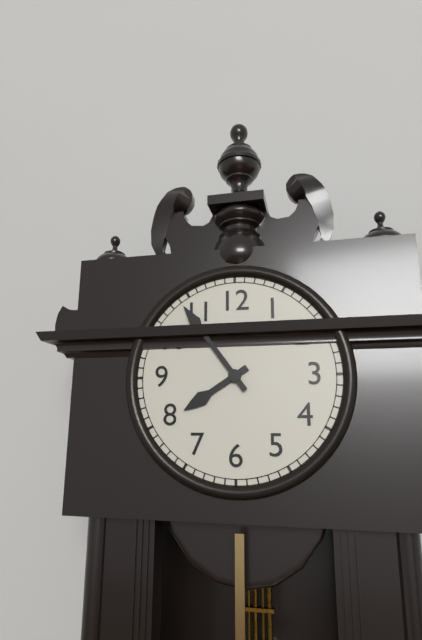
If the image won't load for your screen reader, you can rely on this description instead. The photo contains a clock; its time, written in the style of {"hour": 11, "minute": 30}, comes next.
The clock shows {"hour": 7, "minute": 54}
